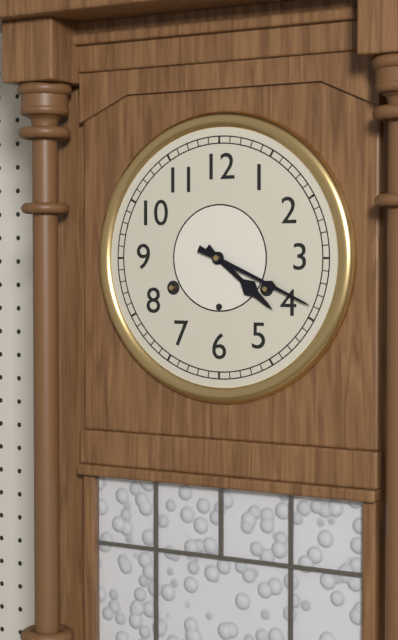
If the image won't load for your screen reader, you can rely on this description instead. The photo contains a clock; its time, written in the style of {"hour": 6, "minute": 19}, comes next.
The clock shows {"hour": 4, "minute": 19}
